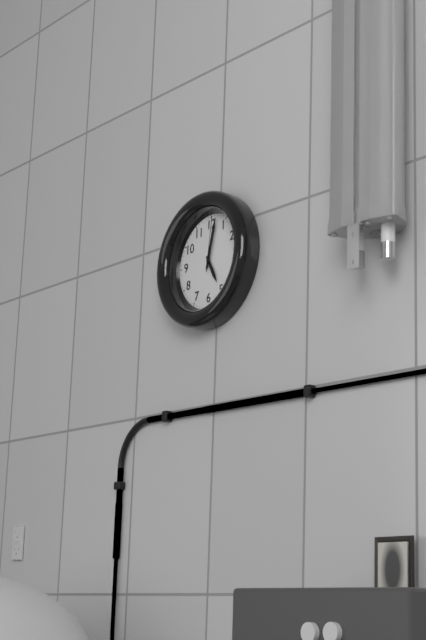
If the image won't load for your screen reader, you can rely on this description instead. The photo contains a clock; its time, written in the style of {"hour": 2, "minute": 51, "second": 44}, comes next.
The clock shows {"hour": 5, "minute": 2, "second": 1}
